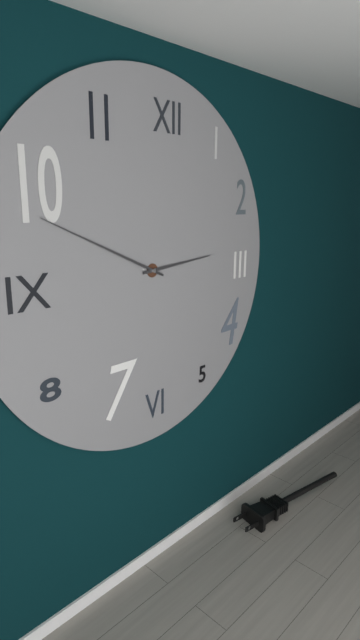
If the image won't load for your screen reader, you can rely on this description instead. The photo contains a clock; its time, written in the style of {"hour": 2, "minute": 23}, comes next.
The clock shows {"hour": 2, "minute": 49}
